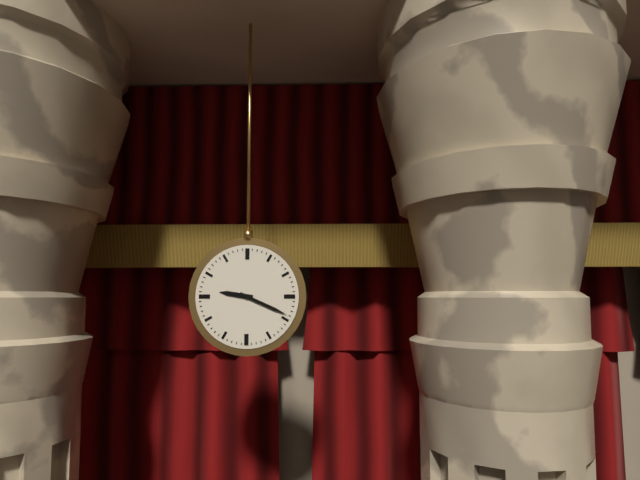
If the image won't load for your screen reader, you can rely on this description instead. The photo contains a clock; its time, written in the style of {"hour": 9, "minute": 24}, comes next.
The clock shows {"hour": 9, "minute": 19}
